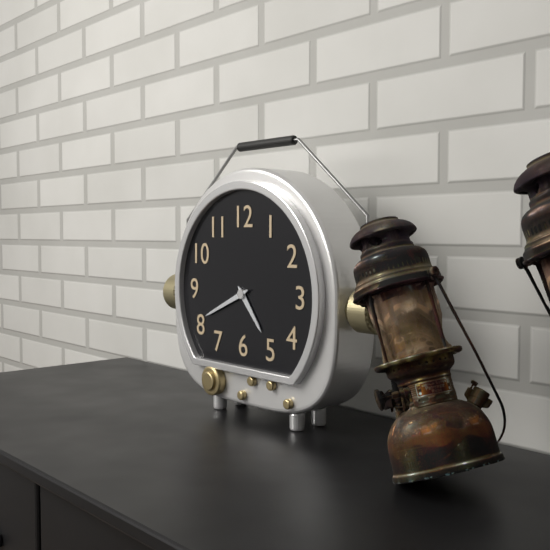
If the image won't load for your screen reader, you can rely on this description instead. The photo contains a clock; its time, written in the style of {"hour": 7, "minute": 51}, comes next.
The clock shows {"hour": 4, "minute": 41}
